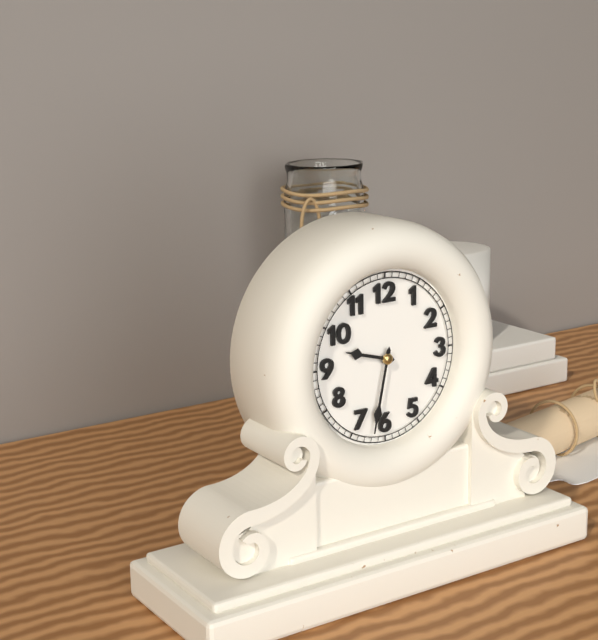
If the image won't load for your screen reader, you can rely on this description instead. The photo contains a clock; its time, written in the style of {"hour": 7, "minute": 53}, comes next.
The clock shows {"hour": 9, "minute": 32}
